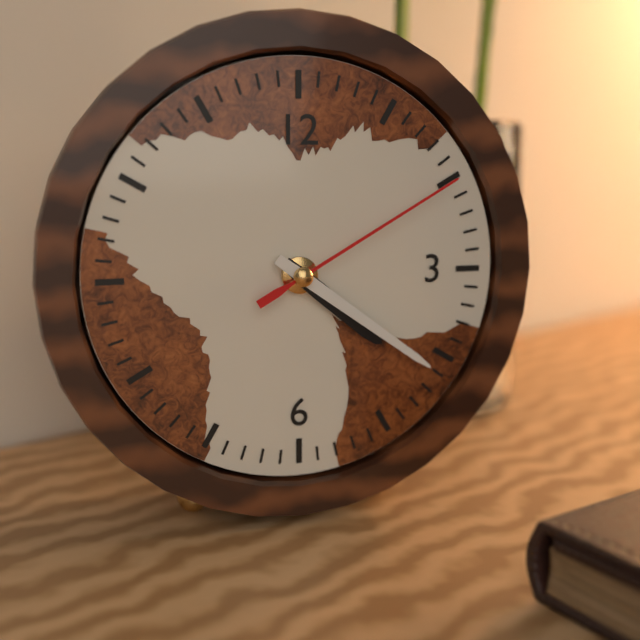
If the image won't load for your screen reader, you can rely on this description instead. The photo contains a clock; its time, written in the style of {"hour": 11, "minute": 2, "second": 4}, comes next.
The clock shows {"hour": 4, "minute": 21, "second": 10}
